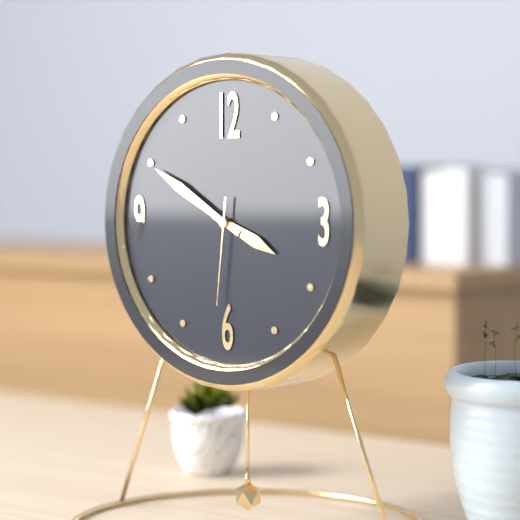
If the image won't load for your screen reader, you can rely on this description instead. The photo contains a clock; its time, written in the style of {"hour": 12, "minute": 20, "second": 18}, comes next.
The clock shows {"hour": 3, "minute": 50, "second": 31}
